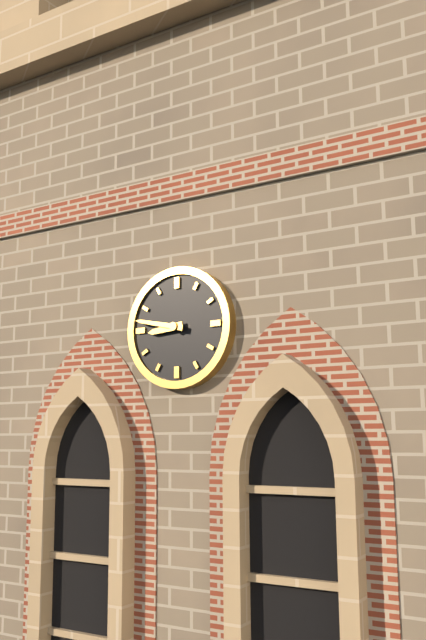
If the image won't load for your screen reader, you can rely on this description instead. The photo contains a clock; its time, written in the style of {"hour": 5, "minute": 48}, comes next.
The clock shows {"hour": 8, "minute": 47}
